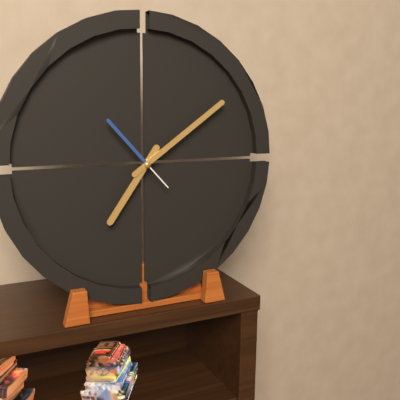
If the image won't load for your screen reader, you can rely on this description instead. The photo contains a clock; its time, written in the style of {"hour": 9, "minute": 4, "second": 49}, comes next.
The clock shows {"hour": 7, "minute": 9, "second": 53}
